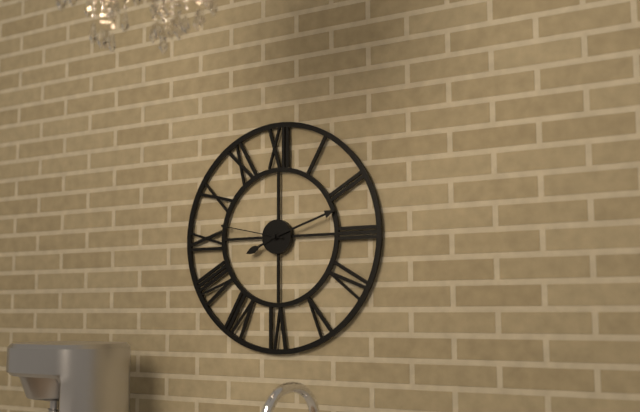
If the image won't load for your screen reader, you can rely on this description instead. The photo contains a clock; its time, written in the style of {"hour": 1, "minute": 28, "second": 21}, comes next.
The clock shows {"hour": 8, "minute": 12, "second": 47}
